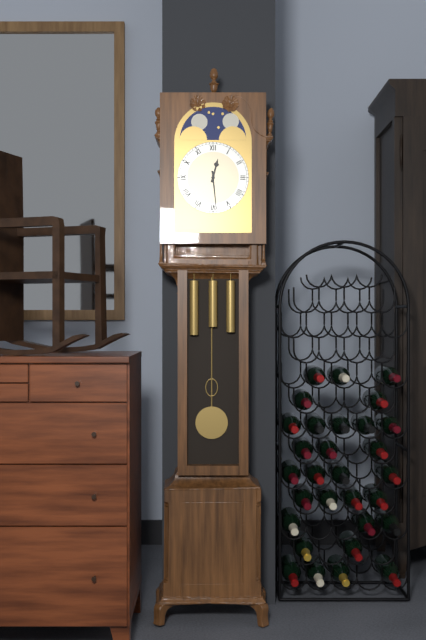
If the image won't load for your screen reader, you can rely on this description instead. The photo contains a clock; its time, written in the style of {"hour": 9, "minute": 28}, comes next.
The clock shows {"hour": 12, "minute": 29}
